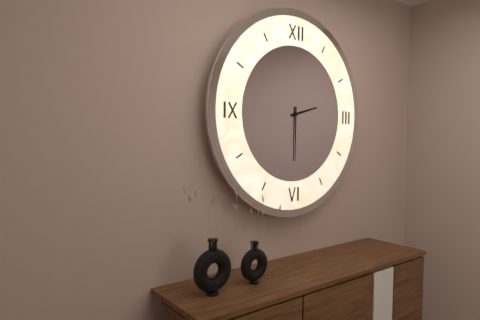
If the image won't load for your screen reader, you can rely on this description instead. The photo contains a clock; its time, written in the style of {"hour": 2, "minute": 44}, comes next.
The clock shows {"hour": 2, "minute": 30}
